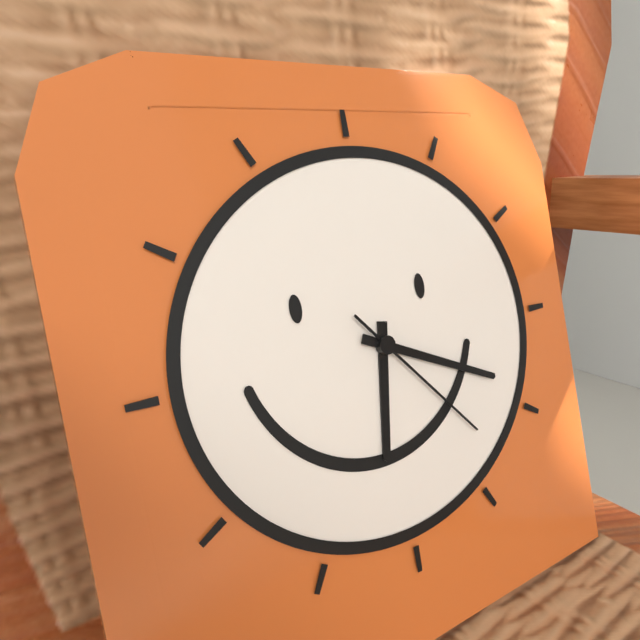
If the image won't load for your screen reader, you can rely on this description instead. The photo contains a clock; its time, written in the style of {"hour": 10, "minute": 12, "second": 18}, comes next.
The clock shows {"hour": 6, "minute": 19, "second": 23}
